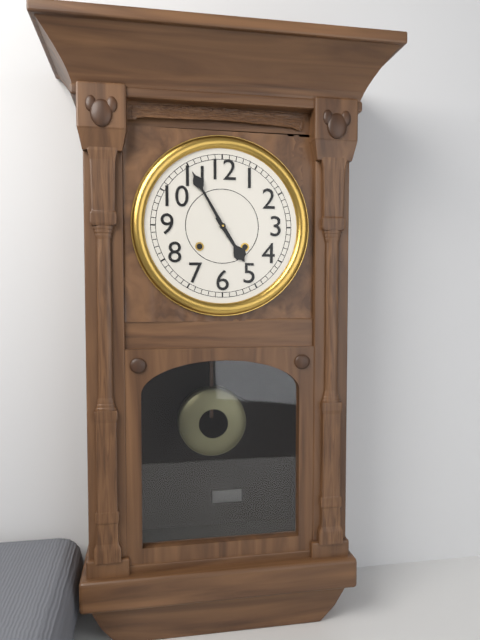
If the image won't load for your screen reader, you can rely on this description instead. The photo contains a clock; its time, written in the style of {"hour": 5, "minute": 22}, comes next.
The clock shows {"hour": 4, "minute": 55}
